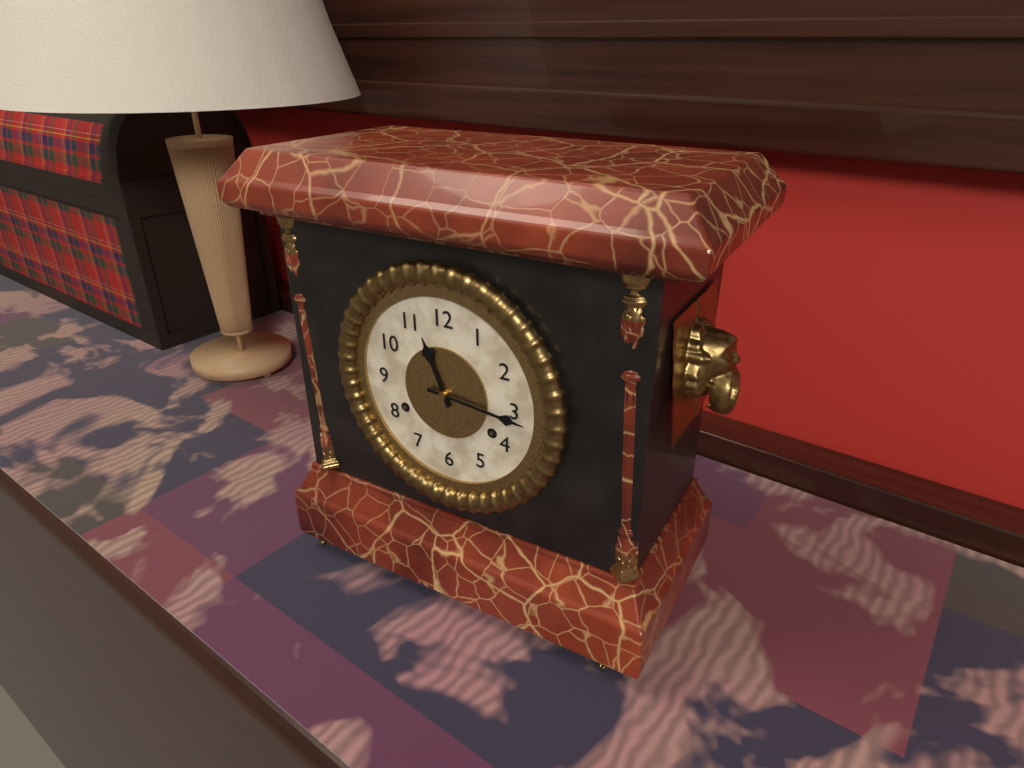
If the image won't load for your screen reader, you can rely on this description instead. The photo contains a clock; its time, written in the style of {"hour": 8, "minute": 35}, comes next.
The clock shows {"hour": 11, "minute": 16}
